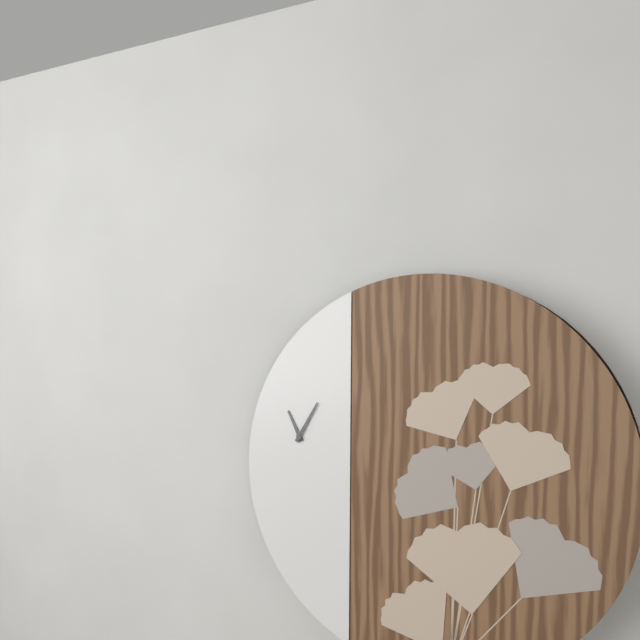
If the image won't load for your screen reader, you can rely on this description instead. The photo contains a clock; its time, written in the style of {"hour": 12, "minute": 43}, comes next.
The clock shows {"hour": 11, "minute": 5}
